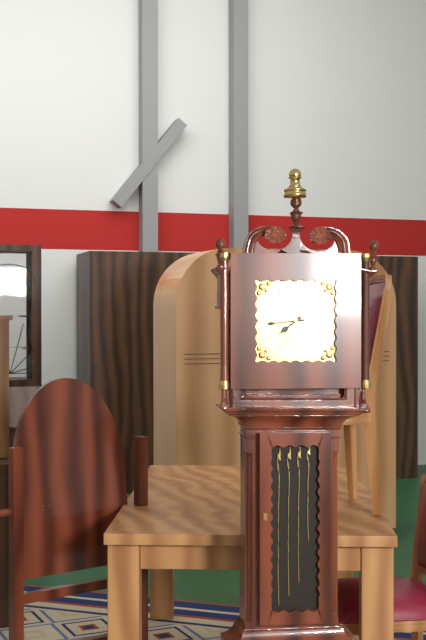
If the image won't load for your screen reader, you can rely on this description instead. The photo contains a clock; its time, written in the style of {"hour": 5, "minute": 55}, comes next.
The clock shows {"hour": 7, "minute": 44}
